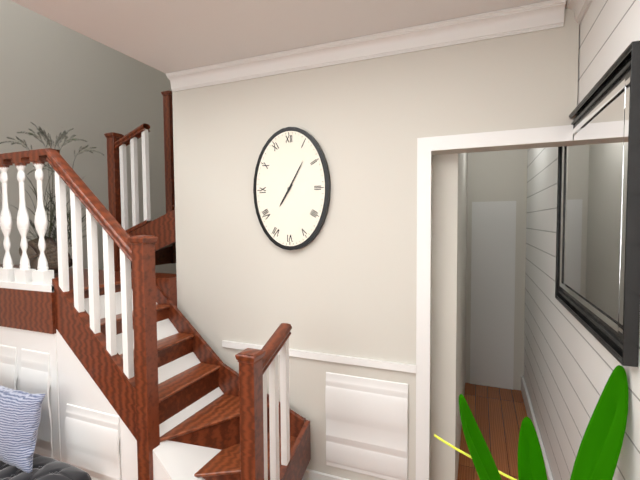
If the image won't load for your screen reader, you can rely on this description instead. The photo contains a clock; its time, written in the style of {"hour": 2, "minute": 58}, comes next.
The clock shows {"hour": 7, "minute": 5}
